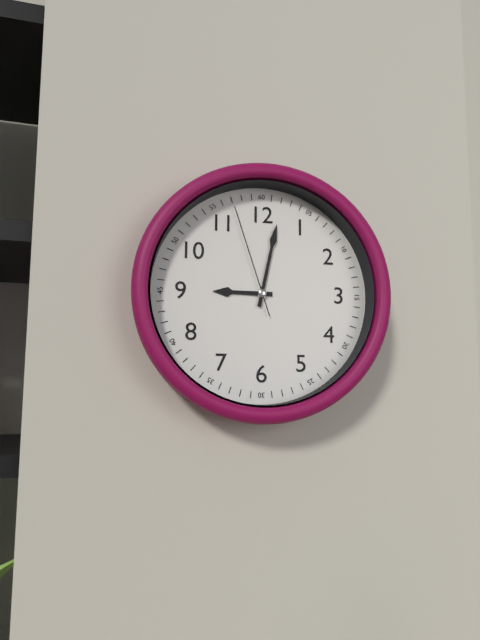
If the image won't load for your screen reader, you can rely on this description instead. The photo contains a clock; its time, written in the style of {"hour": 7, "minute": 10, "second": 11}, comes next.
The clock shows {"hour": 9, "minute": 2, "second": 57}
